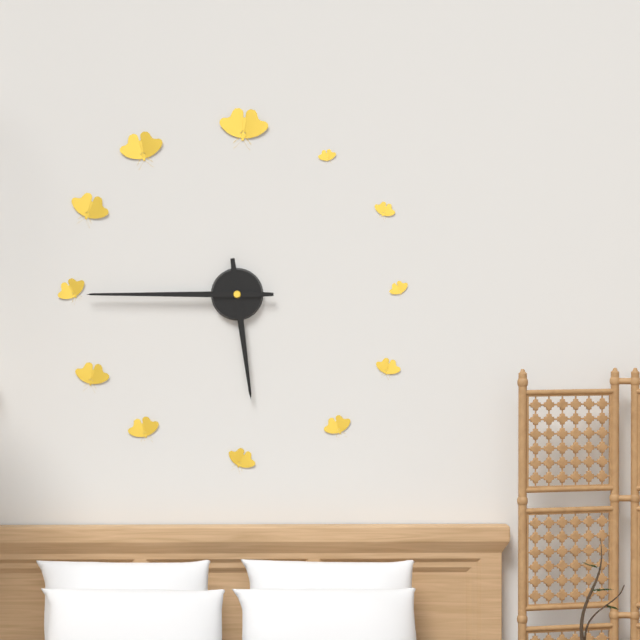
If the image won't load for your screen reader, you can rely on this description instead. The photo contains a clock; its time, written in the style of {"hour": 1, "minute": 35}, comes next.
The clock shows {"hour": 5, "minute": 45}
